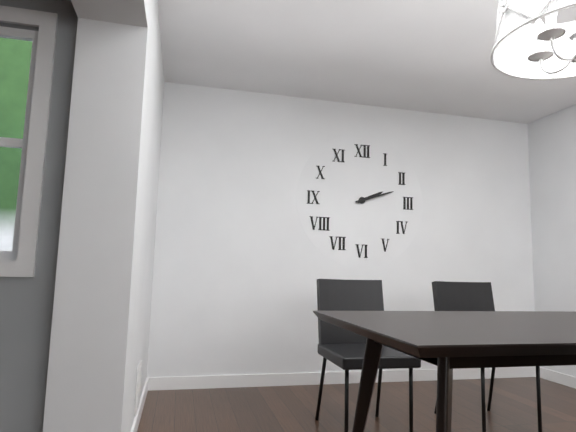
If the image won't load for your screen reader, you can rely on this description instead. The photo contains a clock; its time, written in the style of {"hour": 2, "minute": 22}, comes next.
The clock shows {"hour": 2, "minute": 12}
